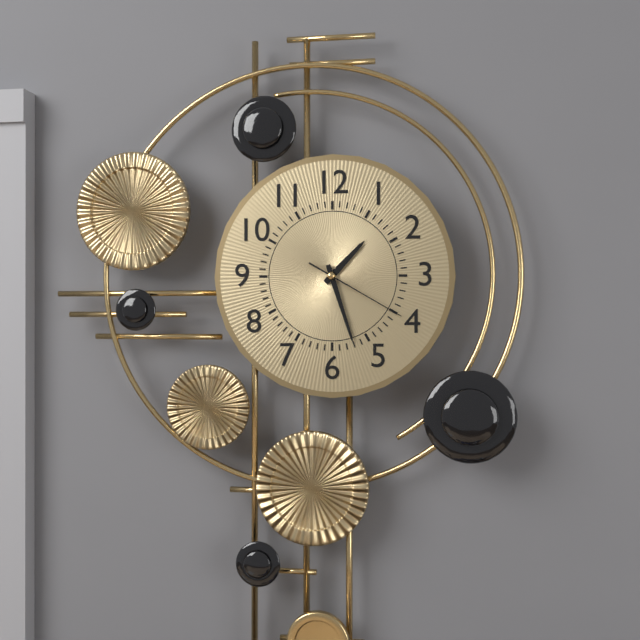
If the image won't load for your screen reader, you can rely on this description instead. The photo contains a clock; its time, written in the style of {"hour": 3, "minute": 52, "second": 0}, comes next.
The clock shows {"hour": 1, "minute": 27, "second": 20}
